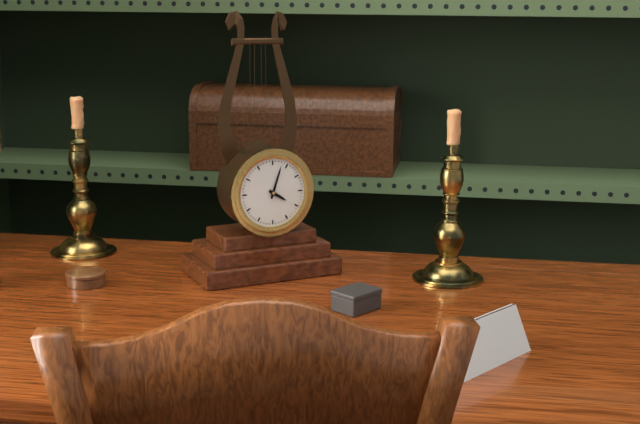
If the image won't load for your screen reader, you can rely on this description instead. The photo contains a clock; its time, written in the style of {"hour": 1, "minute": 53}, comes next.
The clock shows {"hour": 4, "minute": 3}
